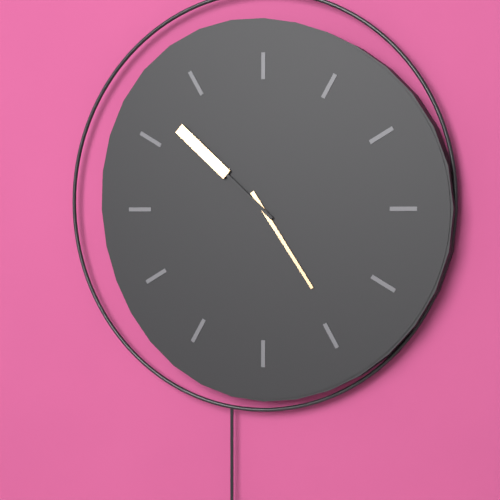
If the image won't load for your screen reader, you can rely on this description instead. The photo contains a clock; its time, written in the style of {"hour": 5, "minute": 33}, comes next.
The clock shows {"hour": 4, "minute": 52}
